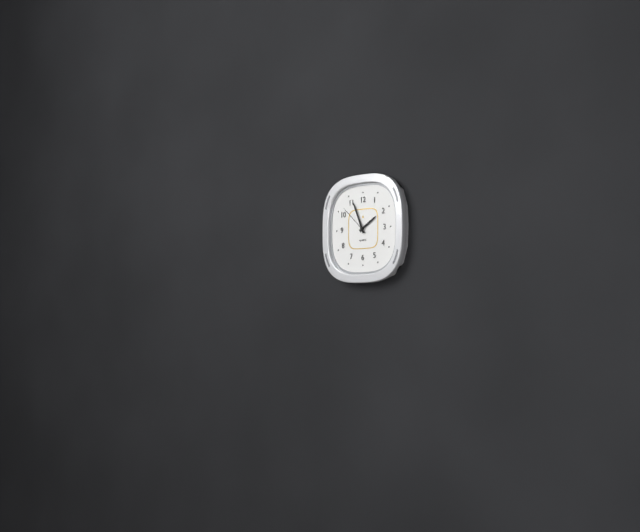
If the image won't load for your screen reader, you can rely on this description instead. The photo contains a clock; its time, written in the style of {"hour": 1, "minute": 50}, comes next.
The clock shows {"hour": 1, "minute": 56}
